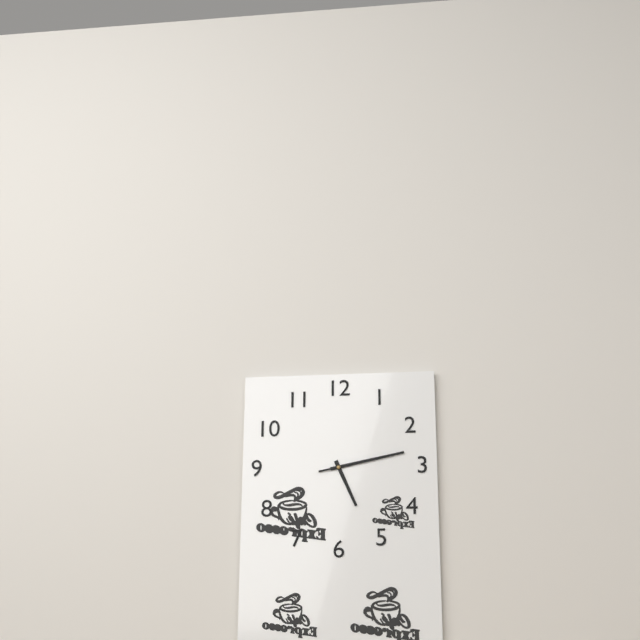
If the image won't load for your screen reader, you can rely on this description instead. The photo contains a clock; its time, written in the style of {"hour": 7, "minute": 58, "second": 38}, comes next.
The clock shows {"hour": 5, "minute": 13, "second": 13}
